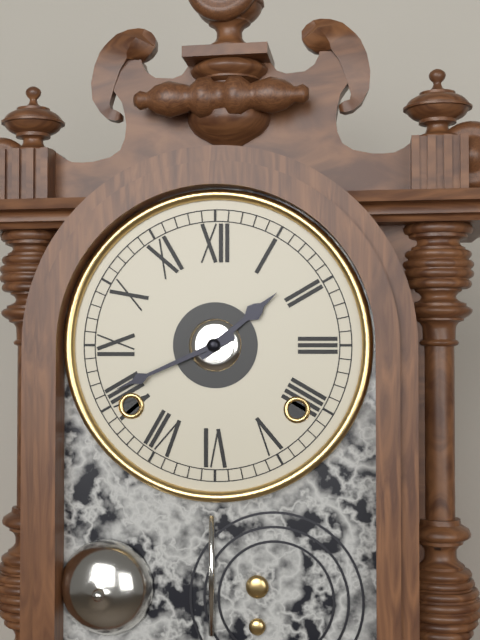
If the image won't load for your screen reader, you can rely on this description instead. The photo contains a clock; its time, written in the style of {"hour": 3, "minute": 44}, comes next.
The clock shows {"hour": 1, "minute": 41}
